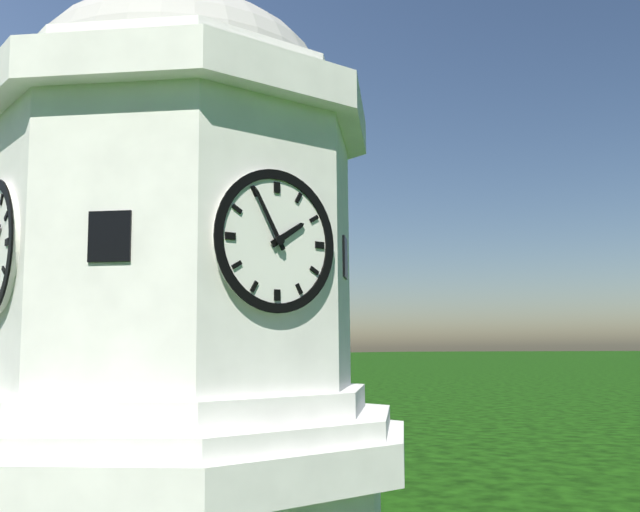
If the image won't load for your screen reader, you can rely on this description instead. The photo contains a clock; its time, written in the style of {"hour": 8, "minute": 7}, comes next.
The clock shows {"hour": 1, "minute": 55}
